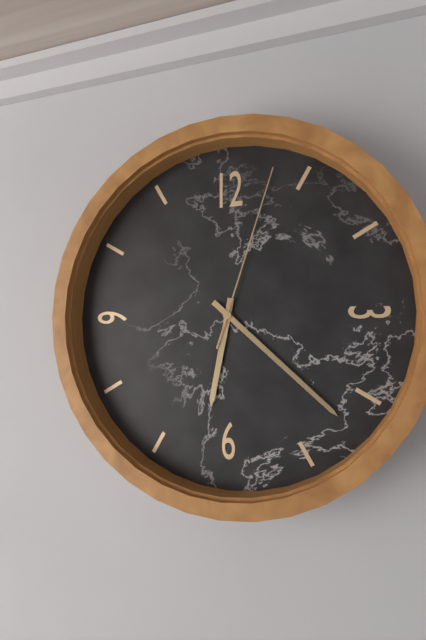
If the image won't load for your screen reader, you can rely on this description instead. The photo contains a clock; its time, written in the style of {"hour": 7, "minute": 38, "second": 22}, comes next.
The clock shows {"hour": 6, "minute": 22, "second": 3}
